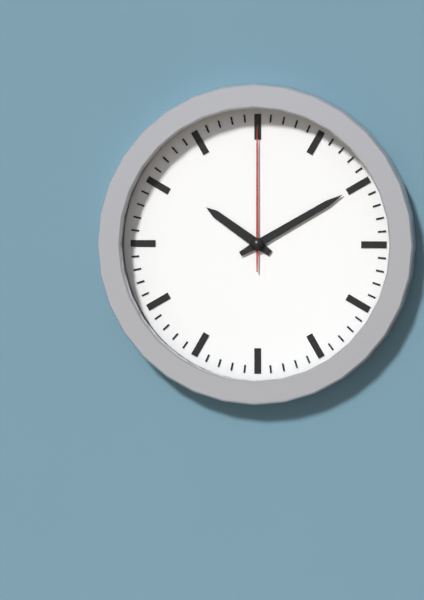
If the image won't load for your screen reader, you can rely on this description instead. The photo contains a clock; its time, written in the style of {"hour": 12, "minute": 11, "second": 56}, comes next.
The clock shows {"hour": 10, "minute": 10, "second": 0}
